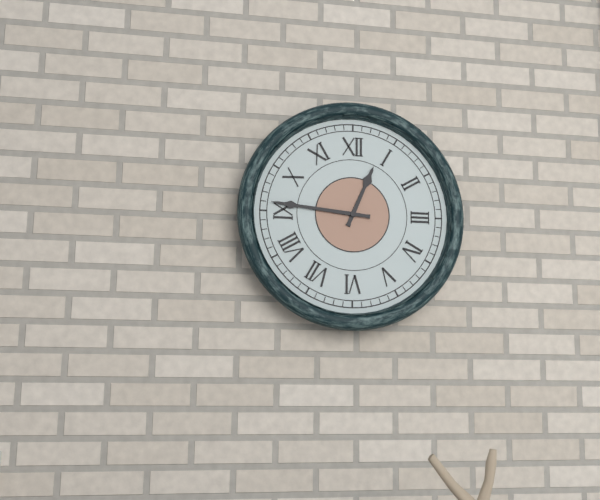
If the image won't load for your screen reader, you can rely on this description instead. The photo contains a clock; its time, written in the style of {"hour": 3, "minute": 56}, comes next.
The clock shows {"hour": 12, "minute": 46}
